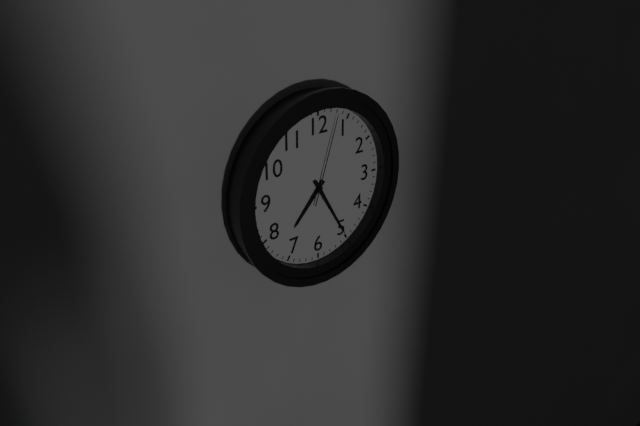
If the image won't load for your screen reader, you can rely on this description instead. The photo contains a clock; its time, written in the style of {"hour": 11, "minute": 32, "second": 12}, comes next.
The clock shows {"hour": 7, "minute": 25, "second": 3}
